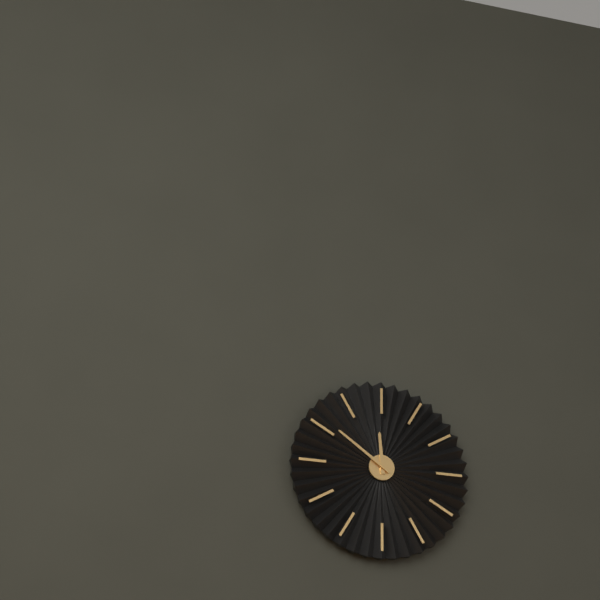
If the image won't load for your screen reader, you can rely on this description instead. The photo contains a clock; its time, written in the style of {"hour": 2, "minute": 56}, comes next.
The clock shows {"hour": 11, "minute": 51}
